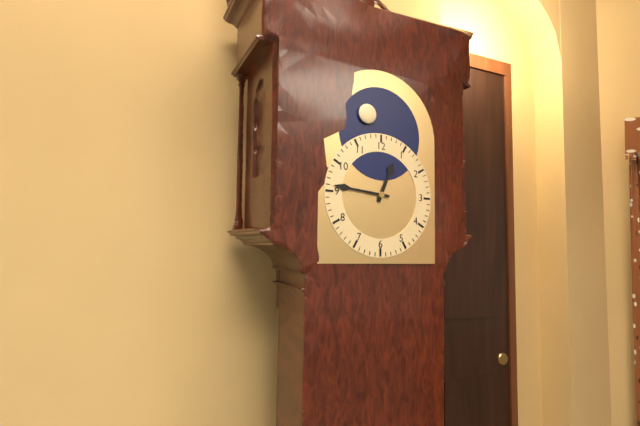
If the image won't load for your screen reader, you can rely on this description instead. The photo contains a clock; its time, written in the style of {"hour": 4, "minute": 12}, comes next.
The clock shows {"hour": 12, "minute": 46}
